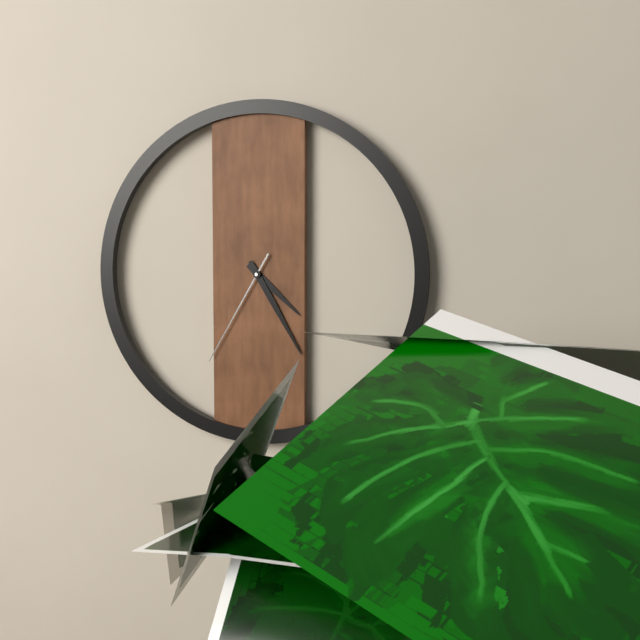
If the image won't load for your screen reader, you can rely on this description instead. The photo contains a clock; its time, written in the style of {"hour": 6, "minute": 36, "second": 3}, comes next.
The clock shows {"hour": 4, "minute": 25, "second": 35}
